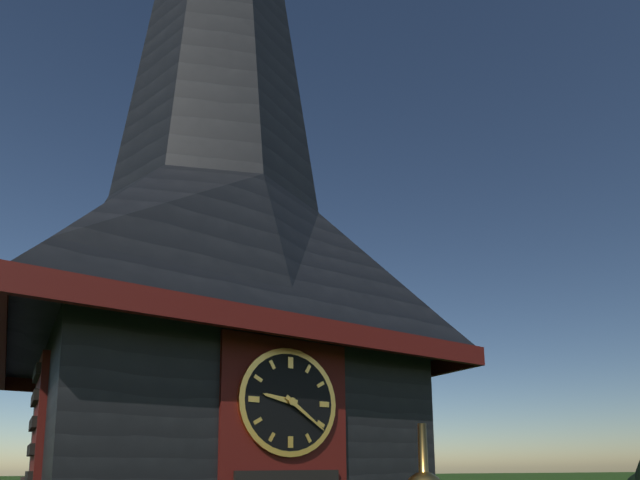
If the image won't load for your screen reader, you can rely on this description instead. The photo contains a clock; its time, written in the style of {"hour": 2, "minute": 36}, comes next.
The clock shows {"hour": 9, "minute": 21}
